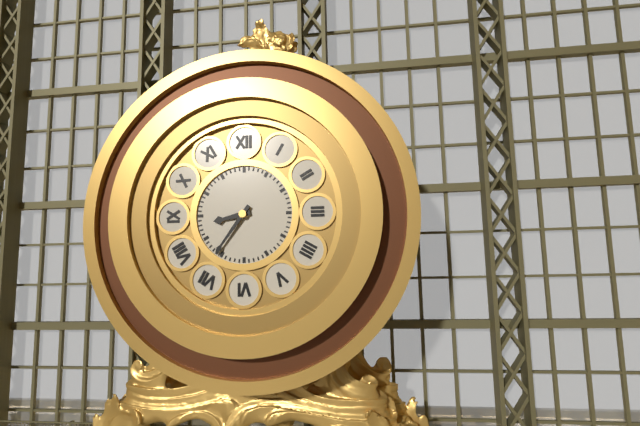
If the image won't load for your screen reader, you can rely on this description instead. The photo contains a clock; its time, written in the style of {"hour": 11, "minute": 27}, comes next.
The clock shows {"hour": 8, "minute": 36}
